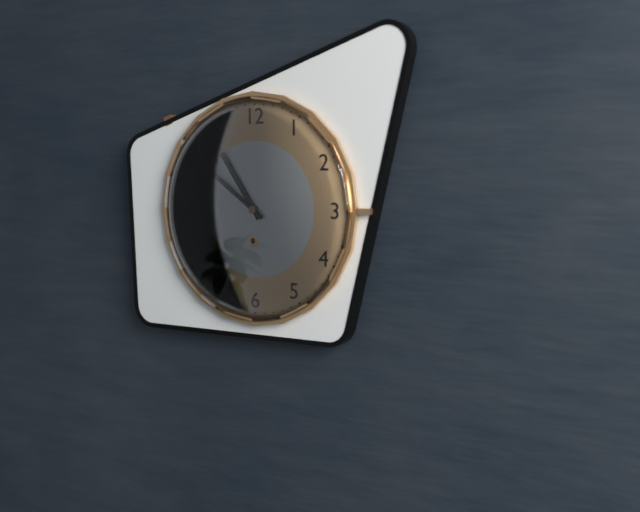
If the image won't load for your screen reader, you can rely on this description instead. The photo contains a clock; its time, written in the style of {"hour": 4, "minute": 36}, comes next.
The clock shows {"hour": 10, "minute": 51}
